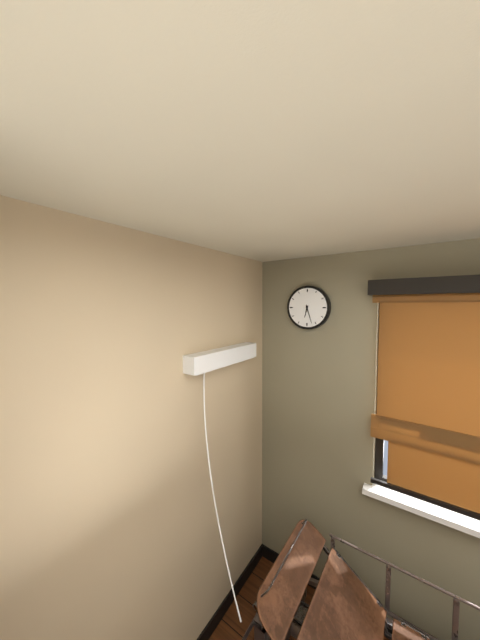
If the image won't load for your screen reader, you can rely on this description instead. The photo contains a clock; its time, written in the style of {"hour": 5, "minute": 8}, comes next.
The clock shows {"hour": 6, "minute": 27}
